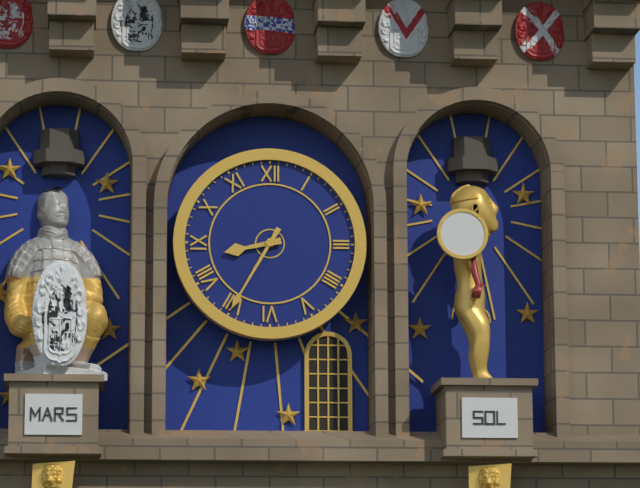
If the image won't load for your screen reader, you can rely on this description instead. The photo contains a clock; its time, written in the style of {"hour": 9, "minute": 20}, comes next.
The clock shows {"hour": 8, "minute": 35}
